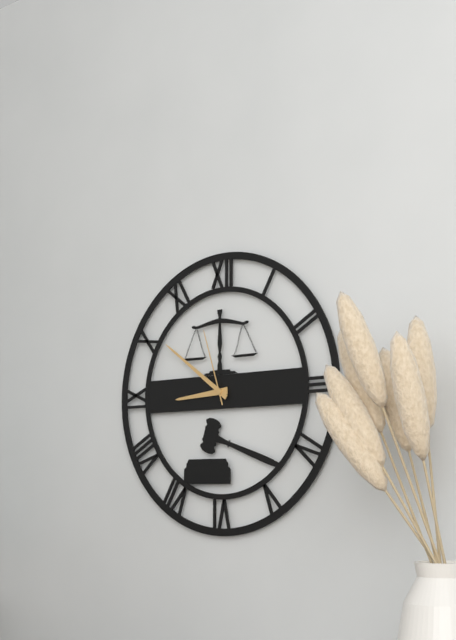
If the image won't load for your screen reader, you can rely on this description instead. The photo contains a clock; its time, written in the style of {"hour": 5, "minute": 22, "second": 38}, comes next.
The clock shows {"hour": 8, "minute": 51, "second": 57}
